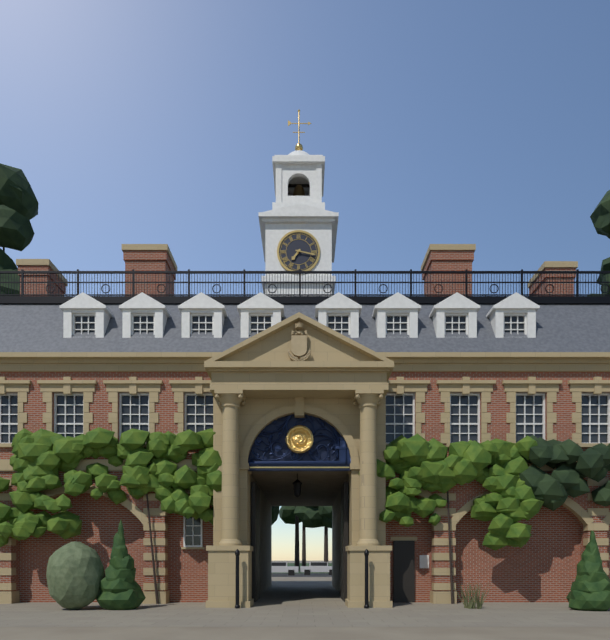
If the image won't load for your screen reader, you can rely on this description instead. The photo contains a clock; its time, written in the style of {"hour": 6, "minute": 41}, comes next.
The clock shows {"hour": 7, "minute": 17}
